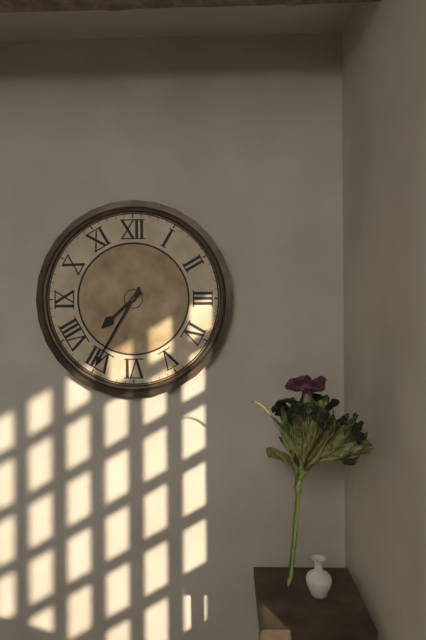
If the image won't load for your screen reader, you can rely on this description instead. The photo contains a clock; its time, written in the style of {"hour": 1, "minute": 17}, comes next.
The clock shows {"hour": 7, "minute": 35}
